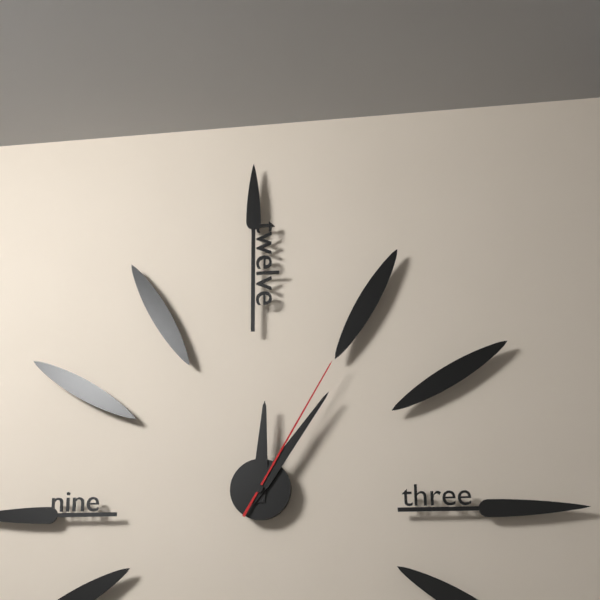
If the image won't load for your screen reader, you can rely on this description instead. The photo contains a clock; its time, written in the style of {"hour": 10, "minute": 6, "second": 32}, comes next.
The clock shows {"hour": 12, "minute": 6, "second": 5}
